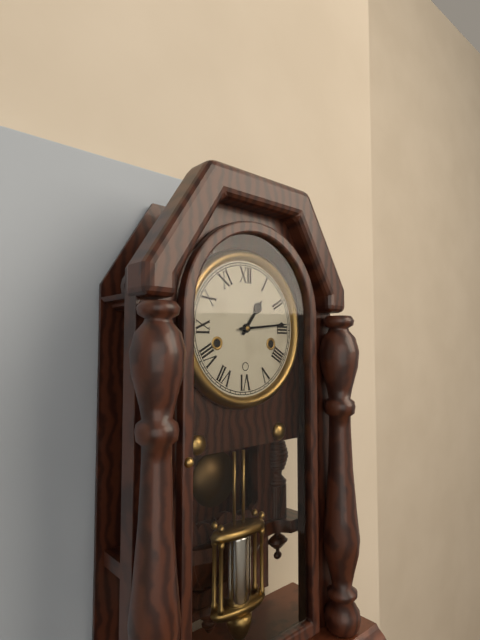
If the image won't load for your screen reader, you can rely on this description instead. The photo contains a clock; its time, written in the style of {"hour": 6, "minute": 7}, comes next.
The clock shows {"hour": 1, "minute": 14}
